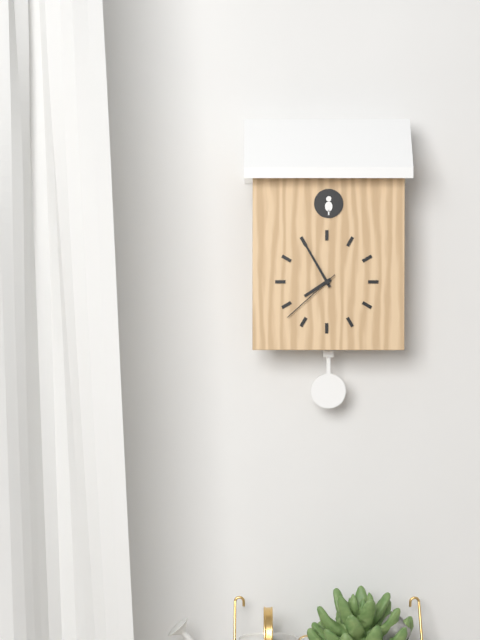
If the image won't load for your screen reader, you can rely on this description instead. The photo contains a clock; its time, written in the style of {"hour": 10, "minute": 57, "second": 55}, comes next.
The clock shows {"hour": 7, "minute": 55, "second": 38}
